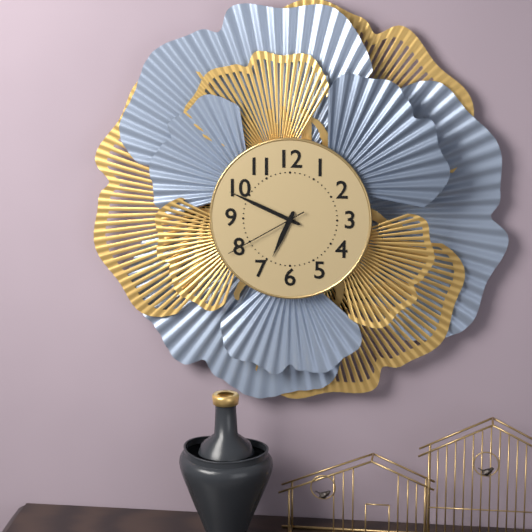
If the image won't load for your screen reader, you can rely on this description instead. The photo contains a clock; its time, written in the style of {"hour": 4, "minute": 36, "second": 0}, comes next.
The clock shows {"hour": 6, "minute": 49, "second": 40}
